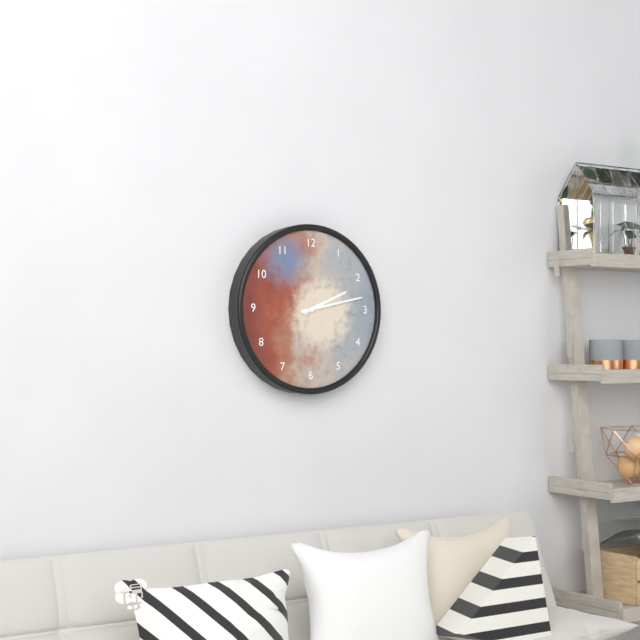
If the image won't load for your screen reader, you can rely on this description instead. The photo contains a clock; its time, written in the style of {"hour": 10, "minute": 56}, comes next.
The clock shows {"hour": 2, "minute": 13}
